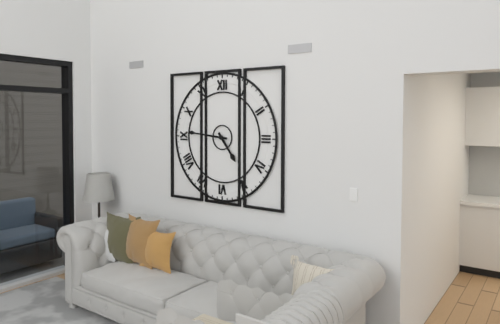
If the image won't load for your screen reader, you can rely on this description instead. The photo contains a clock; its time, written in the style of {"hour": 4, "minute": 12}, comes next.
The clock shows {"hour": 4, "minute": 46}
